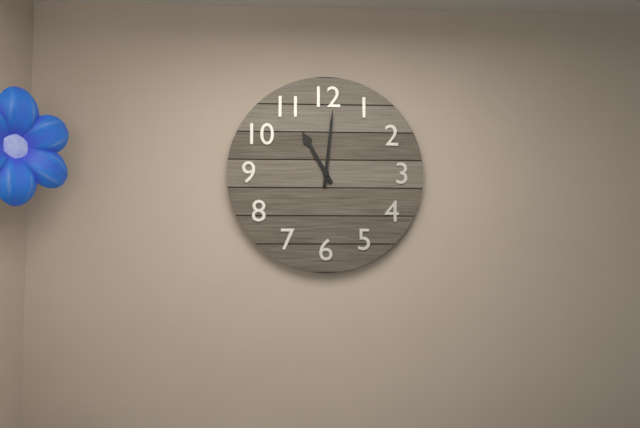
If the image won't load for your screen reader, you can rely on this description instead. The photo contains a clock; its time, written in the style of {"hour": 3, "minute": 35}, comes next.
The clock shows {"hour": 11, "minute": 1}
